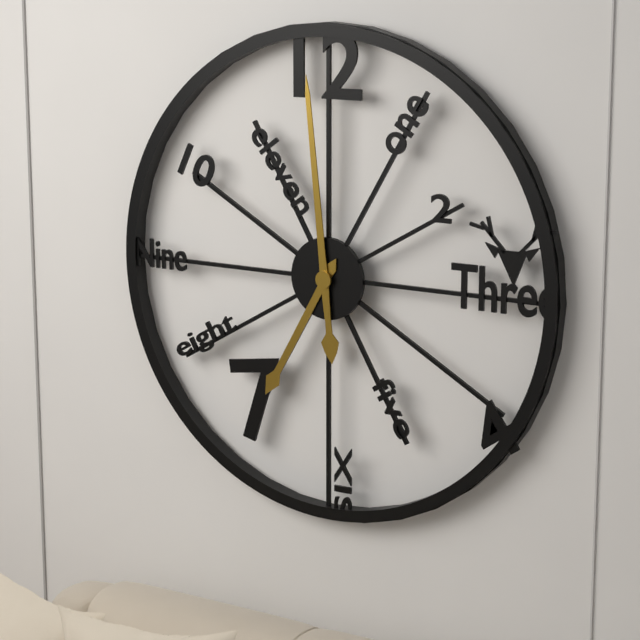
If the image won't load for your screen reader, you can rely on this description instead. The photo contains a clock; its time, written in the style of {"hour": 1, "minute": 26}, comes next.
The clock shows {"hour": 6, "minute": 59}
